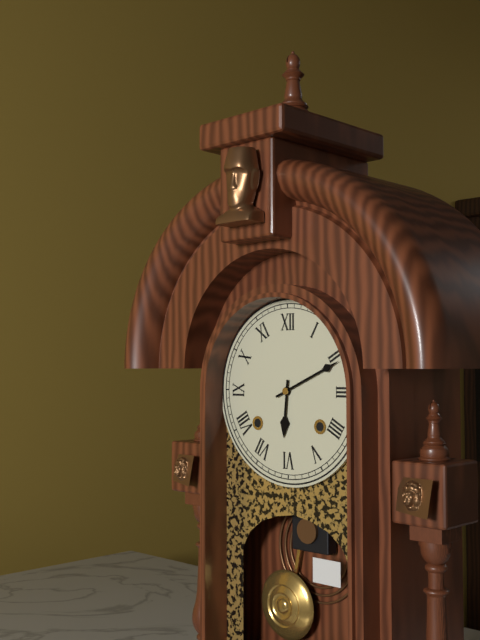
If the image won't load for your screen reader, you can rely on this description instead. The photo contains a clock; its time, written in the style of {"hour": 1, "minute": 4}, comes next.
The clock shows {"hour": 6, "minute": 11}
